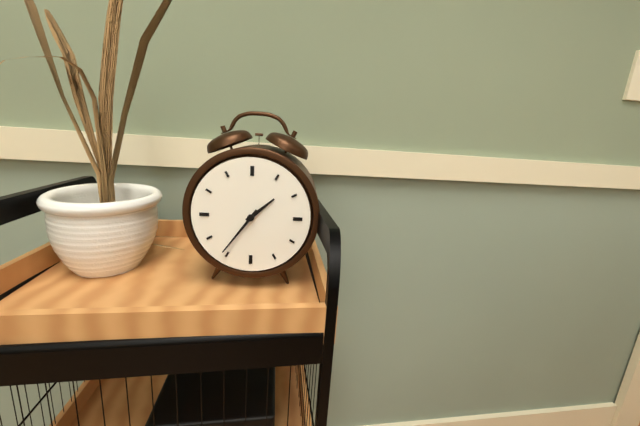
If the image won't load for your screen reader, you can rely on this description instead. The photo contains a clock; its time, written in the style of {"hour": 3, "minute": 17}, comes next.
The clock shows {"hour": 1, "minute": 36}
